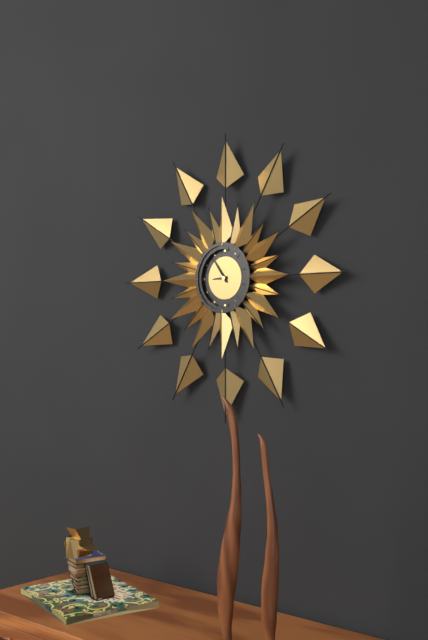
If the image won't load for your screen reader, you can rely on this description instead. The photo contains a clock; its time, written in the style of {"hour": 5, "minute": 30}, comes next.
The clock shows {"hour": 8, "minute": 54}
